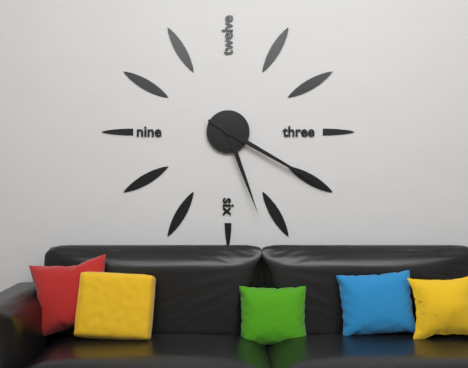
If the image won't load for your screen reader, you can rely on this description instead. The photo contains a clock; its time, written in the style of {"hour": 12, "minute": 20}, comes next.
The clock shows {"hour": 5, "minute": 20}
